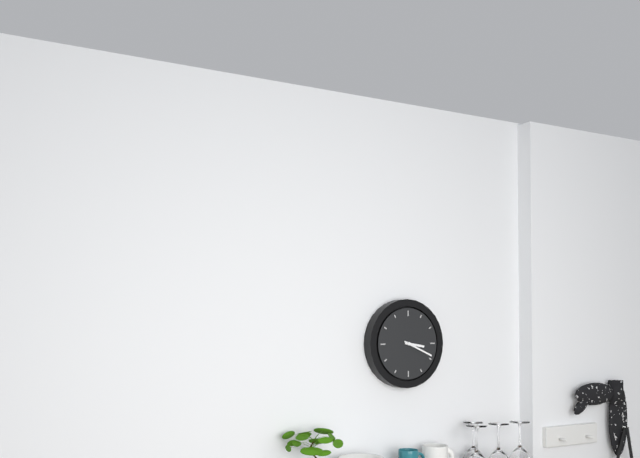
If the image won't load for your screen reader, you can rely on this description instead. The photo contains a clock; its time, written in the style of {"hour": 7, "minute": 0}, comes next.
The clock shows {"hour": 3, "minute": 19}
